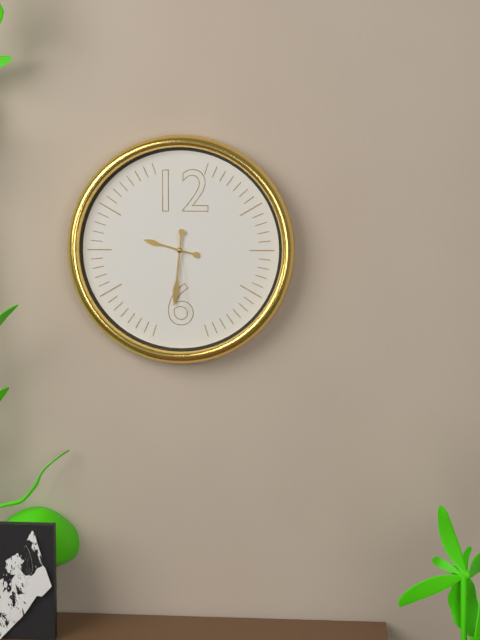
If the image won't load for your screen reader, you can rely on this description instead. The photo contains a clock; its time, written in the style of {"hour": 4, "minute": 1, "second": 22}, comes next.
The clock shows {"hour": 9, "minute": 31, "second": 29}
